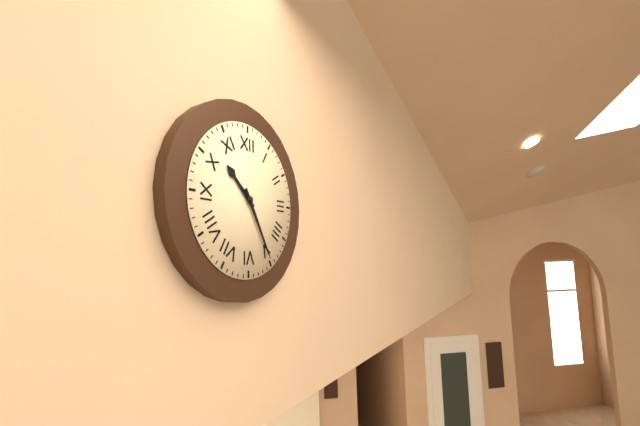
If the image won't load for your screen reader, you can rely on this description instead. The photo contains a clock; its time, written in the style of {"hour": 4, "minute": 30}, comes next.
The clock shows {"hour": 10, "minute": 25}
